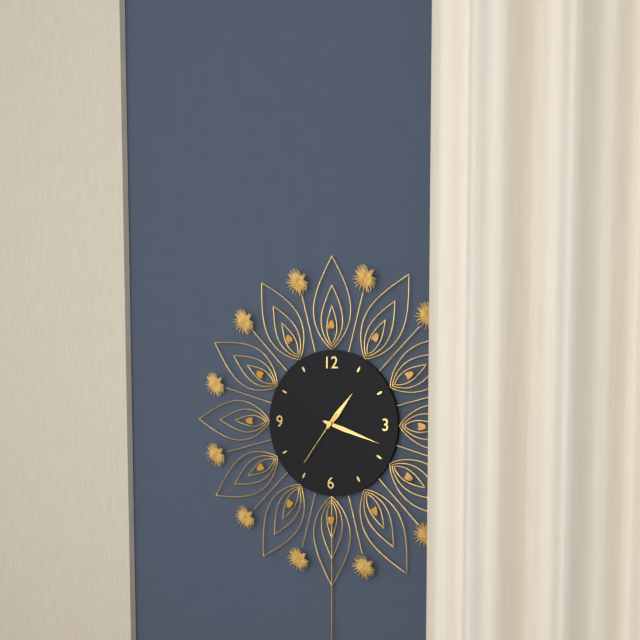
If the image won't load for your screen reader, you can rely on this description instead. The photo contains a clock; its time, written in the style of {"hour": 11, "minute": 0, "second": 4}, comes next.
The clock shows {"hour": 1, "minute": 18, "second": 36}
